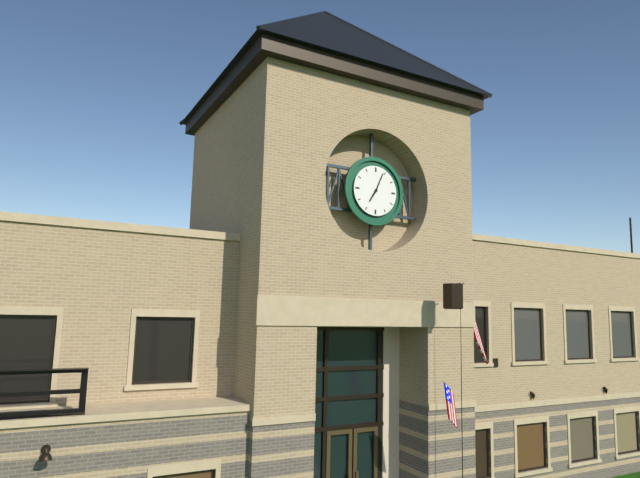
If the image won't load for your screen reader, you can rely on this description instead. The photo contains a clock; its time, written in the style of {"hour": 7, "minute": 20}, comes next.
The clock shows {"hour": 7, "minute": 4}
